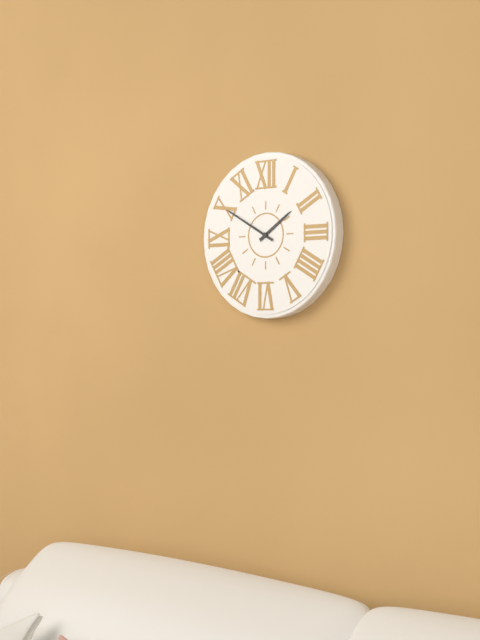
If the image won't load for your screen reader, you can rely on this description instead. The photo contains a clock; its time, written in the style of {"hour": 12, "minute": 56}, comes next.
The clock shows {"hour": 1, "minute": 50}
